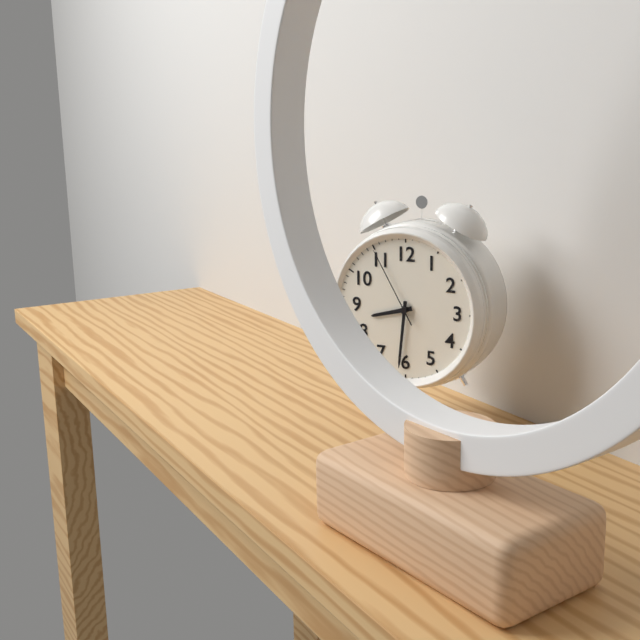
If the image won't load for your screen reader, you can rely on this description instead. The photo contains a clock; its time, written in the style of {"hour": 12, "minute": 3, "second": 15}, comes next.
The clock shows {"hour": 8, "minute": 31, "second": 55}
